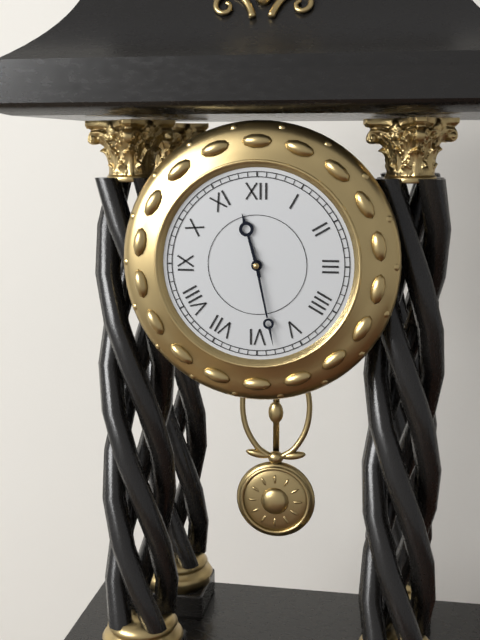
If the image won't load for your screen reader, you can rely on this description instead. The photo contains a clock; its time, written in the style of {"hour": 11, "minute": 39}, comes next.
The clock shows {"hour": 11, "minute": 28}
